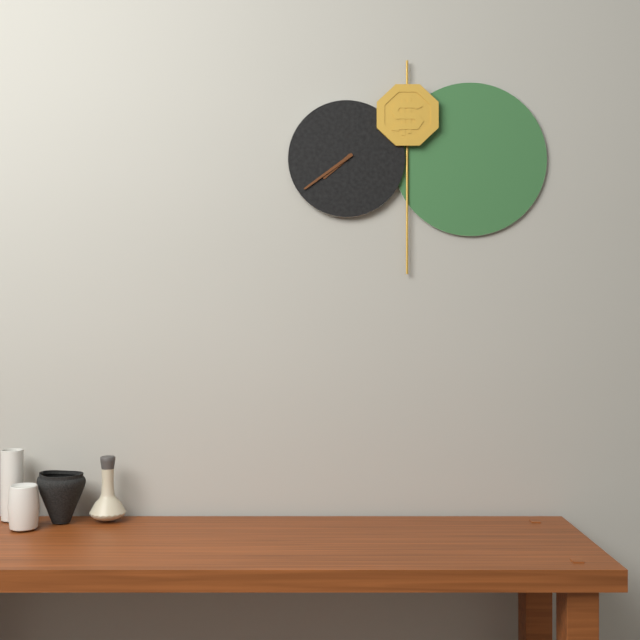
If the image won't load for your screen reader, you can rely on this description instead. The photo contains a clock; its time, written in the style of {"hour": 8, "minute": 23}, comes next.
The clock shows {"hour": 7, "minute": 39}
